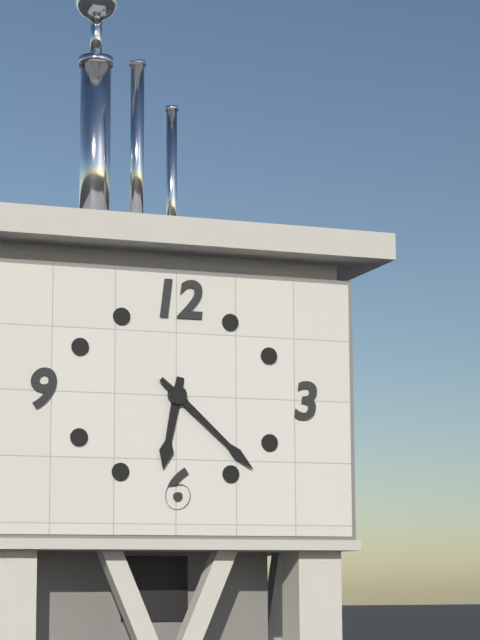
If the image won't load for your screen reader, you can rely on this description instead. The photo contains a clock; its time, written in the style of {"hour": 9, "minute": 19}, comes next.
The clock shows {"hour": 6, "minute": 22}
